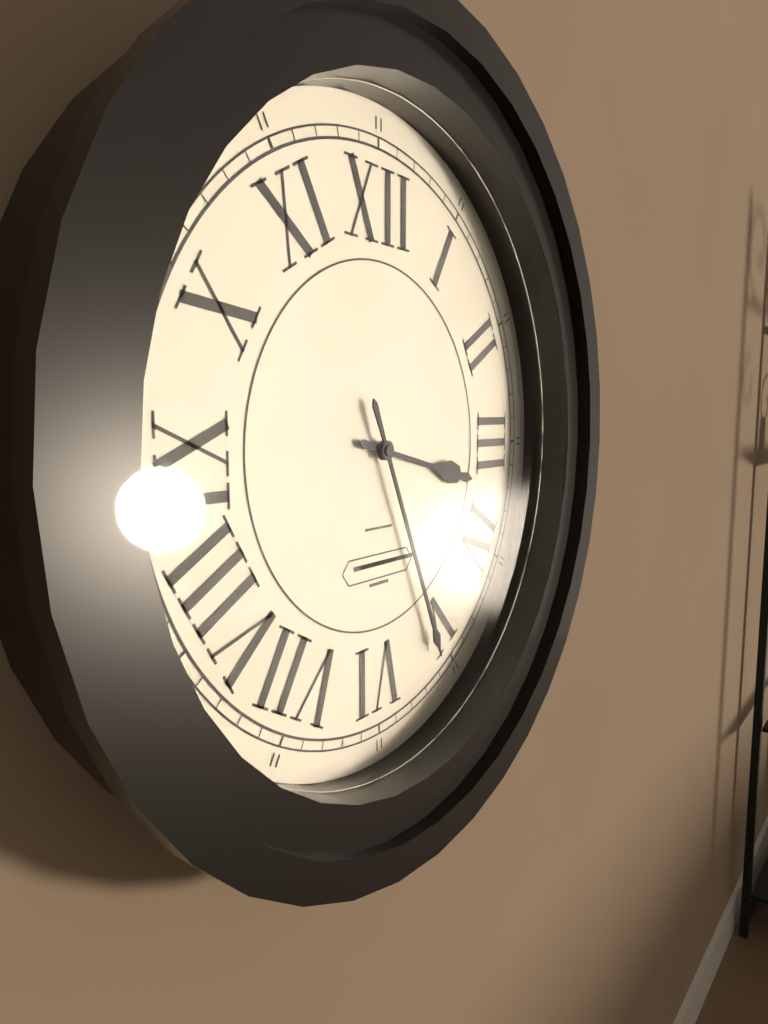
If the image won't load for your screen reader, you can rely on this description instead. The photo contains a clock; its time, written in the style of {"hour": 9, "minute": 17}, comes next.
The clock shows {"hour": 3, "minute": 26}
